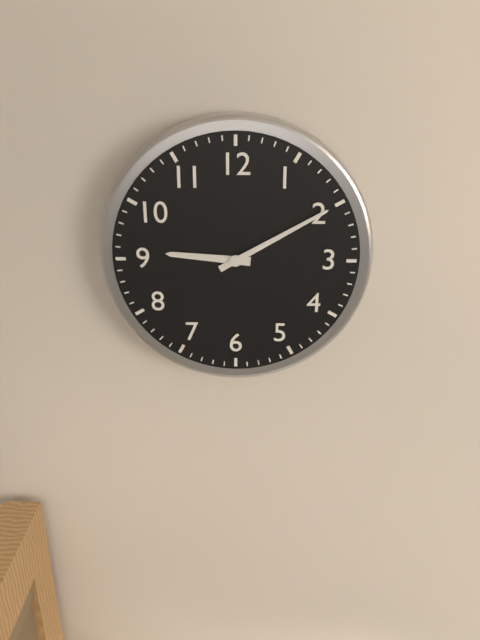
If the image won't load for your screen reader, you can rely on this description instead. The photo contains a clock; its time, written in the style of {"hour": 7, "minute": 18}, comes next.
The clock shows {"hour": 9, "minute": 10}
